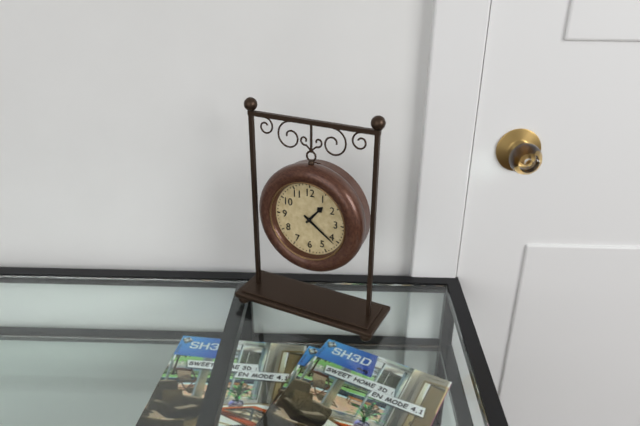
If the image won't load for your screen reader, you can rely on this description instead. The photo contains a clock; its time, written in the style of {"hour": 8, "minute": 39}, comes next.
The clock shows {"hour": 1, "minute": 21}
